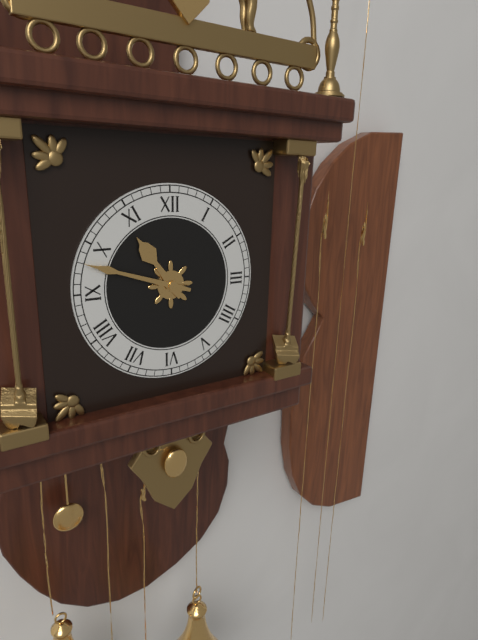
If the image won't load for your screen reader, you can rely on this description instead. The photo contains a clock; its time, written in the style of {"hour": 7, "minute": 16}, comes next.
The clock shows {"hour": 10, "minute": 48}
